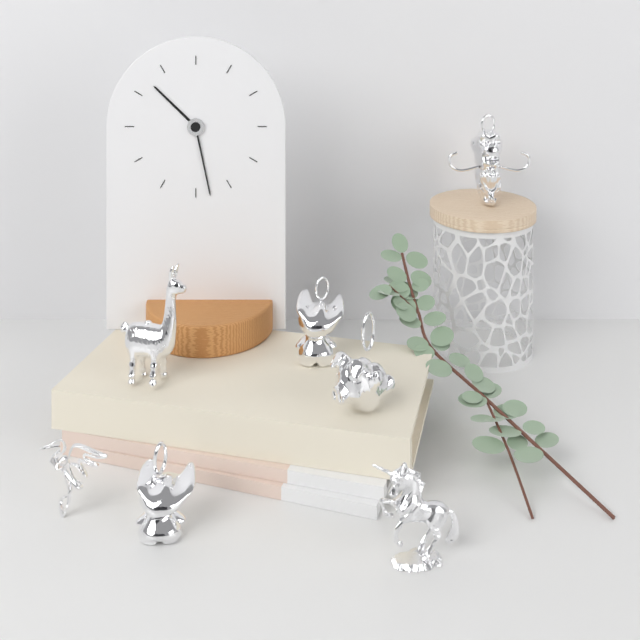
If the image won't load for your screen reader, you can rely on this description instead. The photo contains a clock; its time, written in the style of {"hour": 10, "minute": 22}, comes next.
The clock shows {"hour": 10, "minute": 28}
